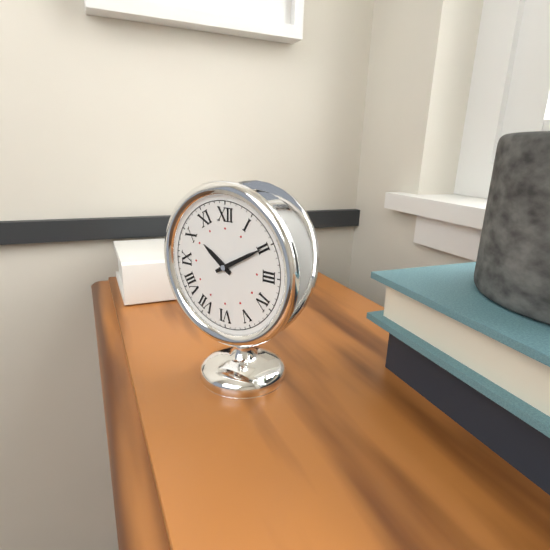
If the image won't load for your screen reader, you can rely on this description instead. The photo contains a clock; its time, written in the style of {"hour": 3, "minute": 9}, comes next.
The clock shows {"hour": 10, "minute": 10}
